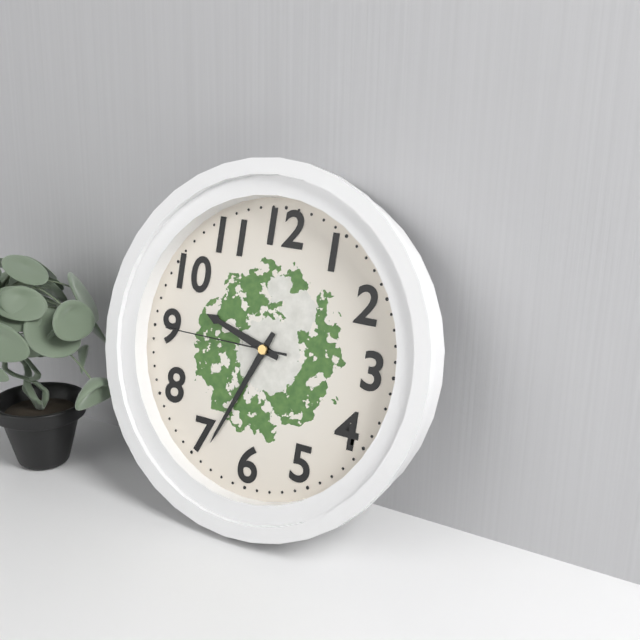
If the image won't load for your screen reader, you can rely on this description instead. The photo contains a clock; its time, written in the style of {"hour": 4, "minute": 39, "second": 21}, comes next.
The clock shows {"hour": 9, "minute": 34, "second": 45}
